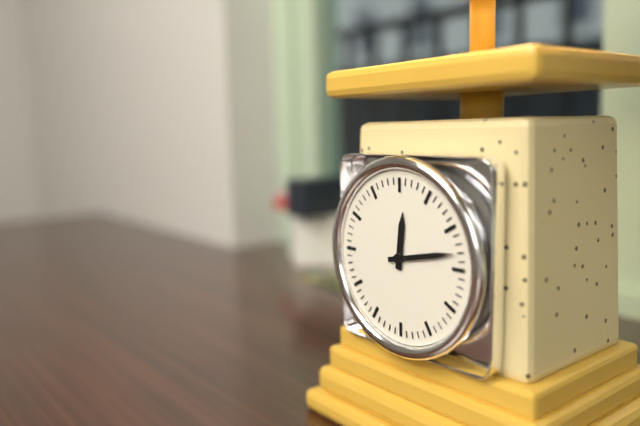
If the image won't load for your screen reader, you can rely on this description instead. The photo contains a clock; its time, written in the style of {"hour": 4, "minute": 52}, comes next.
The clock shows {"hour": 12, "minute": 13}
